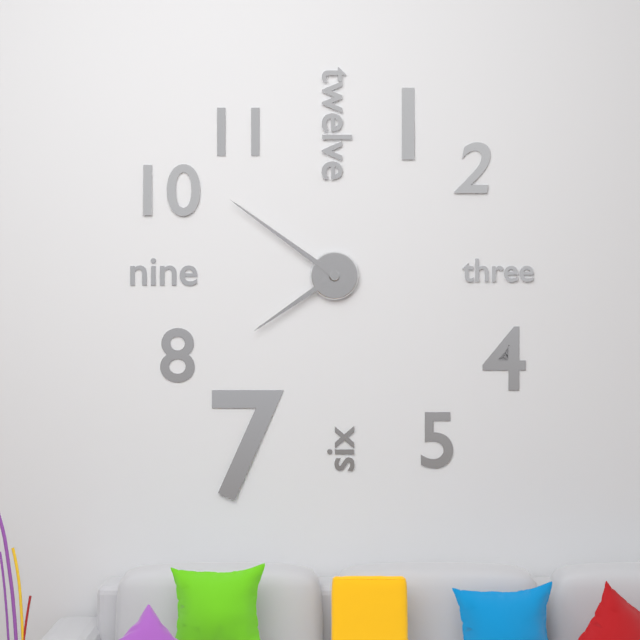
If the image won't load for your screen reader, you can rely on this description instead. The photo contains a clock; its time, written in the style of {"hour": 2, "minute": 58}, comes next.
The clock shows {"hour": 7, "minute": 51}
